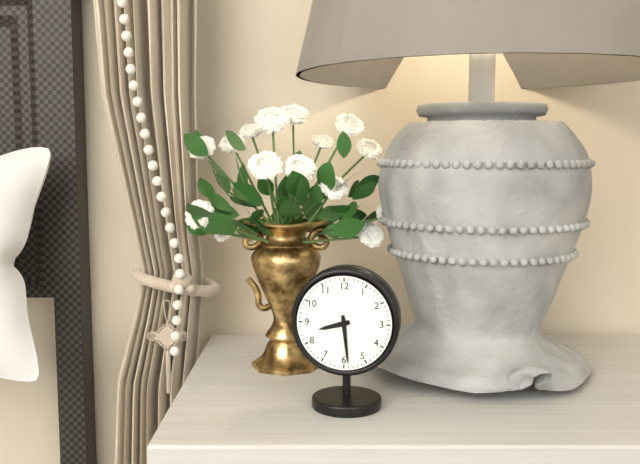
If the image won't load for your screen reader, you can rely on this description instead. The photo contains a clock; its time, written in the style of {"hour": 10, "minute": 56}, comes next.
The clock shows {"hour": 8, "minute": 29}
